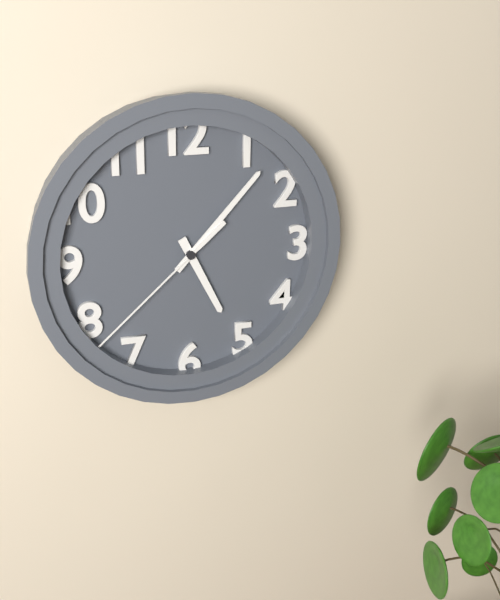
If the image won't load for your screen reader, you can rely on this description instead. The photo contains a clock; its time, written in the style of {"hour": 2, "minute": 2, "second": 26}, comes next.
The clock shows {"hour": 5, "minute": 7, "second": 38}
